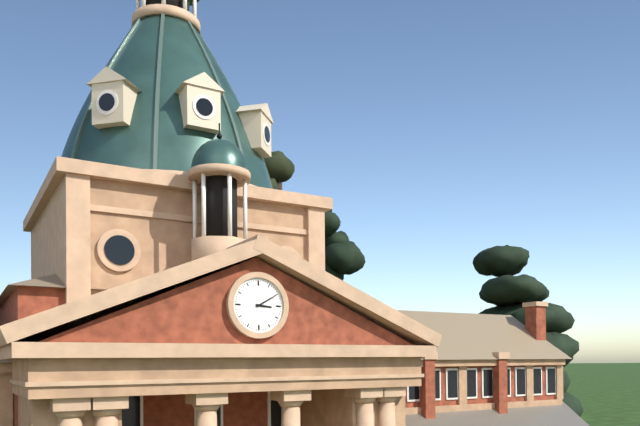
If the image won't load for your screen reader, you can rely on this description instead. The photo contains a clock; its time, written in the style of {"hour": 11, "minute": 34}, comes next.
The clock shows {"hour": 3, "minute": 10}
